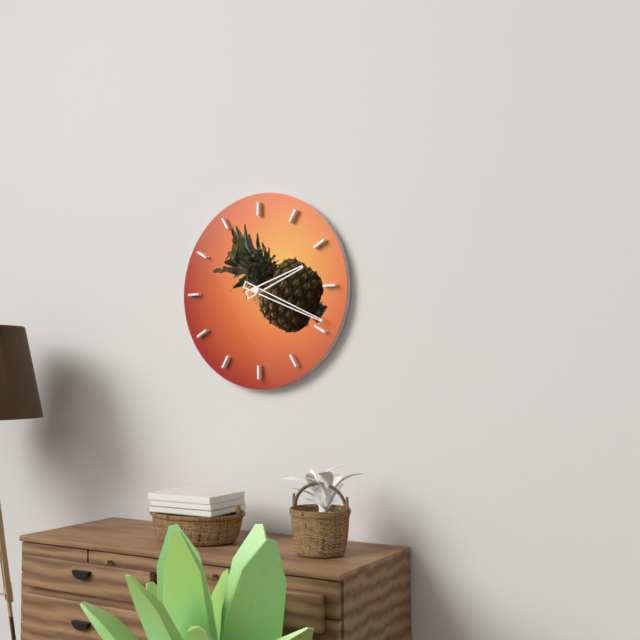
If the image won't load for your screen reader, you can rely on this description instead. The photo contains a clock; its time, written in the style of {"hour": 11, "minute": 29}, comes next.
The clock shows {"hour": 2, "minute": 19}
